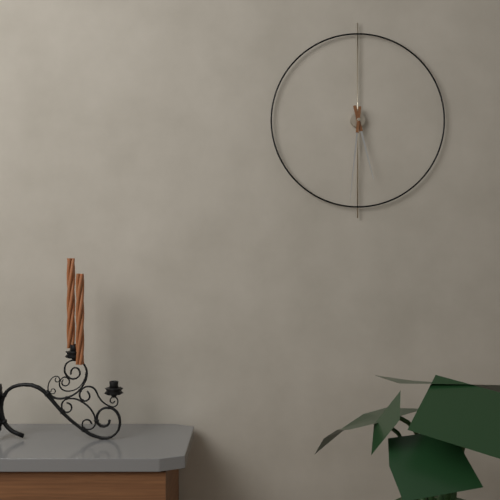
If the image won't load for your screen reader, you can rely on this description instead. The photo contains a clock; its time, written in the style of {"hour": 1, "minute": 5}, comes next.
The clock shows {"hour": 5, "minute": 31}
